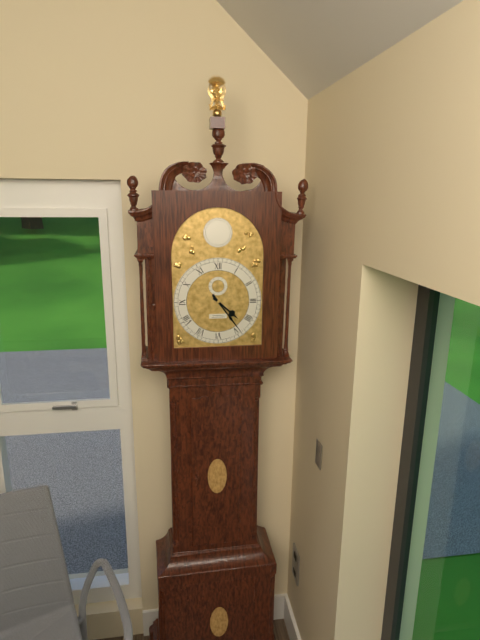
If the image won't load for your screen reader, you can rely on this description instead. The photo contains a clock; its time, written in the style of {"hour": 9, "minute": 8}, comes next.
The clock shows {"hour": 4, "minute": 24}
